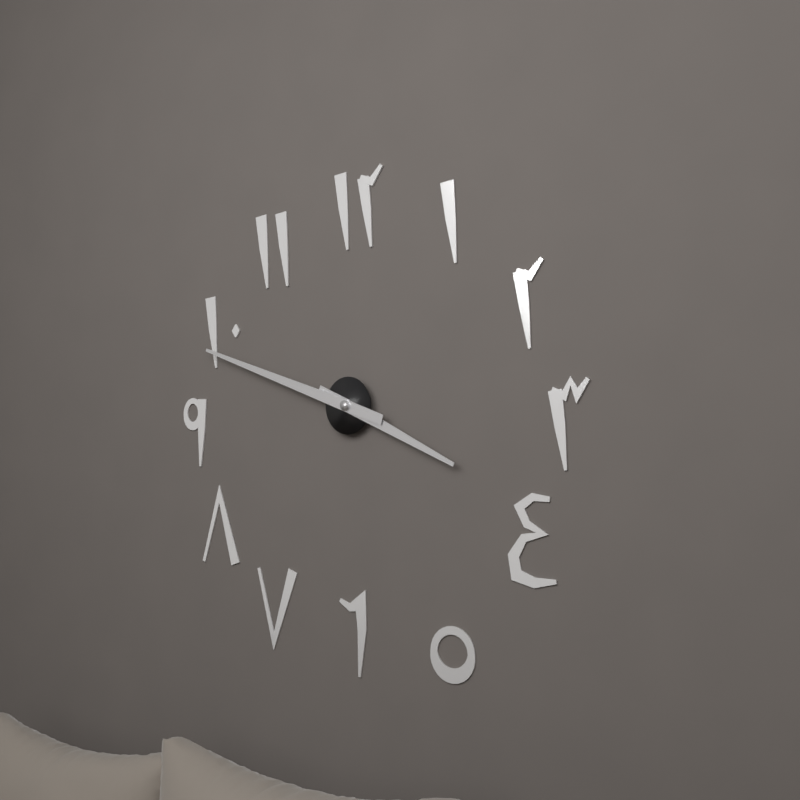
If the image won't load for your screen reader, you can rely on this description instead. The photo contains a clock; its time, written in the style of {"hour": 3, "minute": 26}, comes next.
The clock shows {"hour": 3, "minute": 48}
